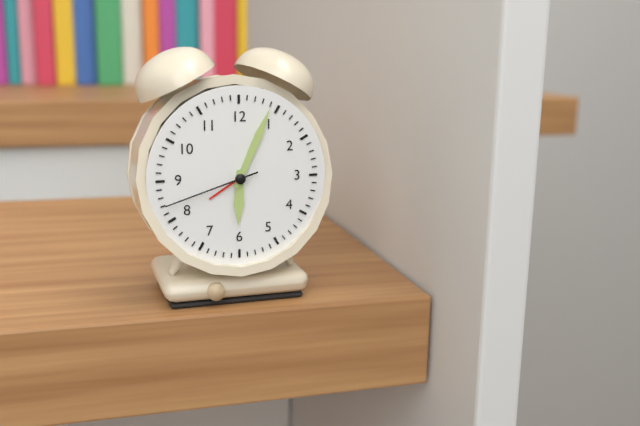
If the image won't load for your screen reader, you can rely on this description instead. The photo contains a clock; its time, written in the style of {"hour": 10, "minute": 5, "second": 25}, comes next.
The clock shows {"hour": 6, "minute": 4, "second": 42}
